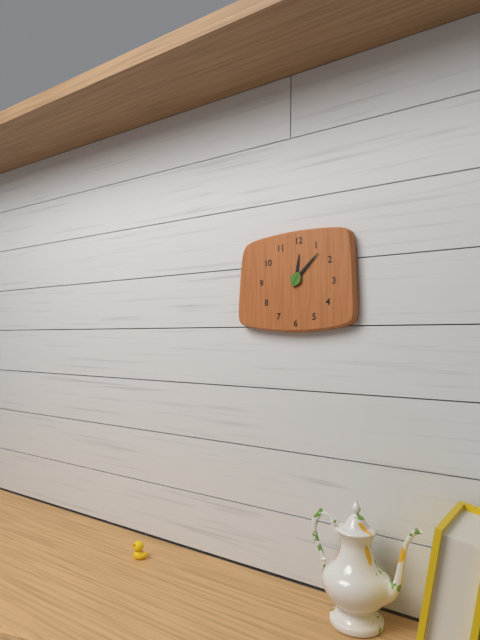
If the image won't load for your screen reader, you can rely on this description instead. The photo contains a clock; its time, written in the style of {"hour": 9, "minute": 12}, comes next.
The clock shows {"hour": 12, "minute": 7}
